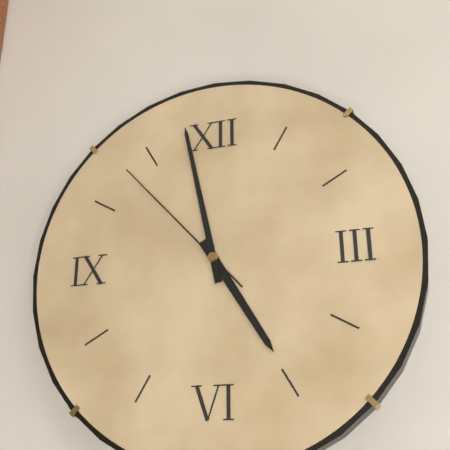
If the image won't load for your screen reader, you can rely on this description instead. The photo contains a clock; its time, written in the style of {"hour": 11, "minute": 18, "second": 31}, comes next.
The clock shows {"hour": 4, "minute": 58, "second": 53}
